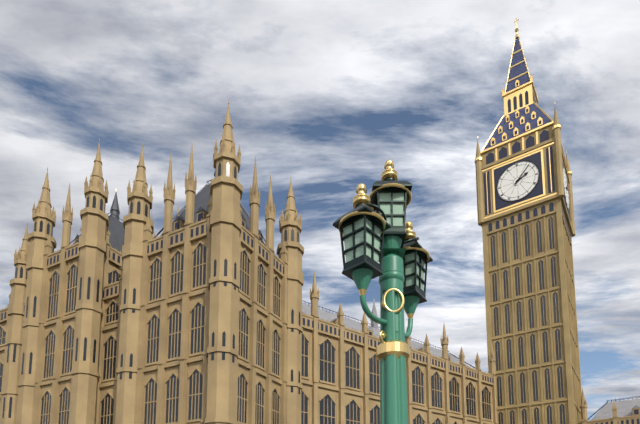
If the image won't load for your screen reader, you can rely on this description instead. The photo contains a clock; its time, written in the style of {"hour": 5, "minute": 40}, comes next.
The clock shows {"hour": 2, "minute": 7}
